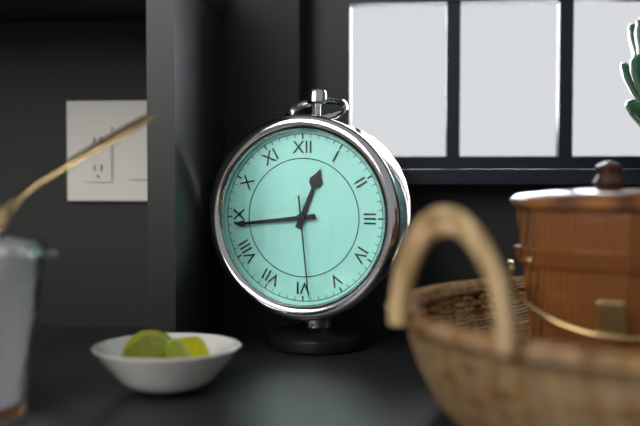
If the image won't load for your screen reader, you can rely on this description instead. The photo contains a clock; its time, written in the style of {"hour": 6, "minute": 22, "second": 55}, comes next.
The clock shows {"hour": 12, "minute": 44, "second": 29}
